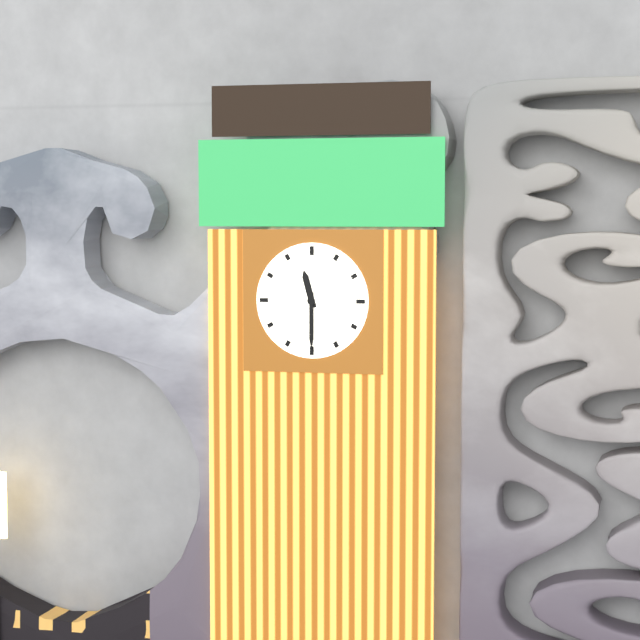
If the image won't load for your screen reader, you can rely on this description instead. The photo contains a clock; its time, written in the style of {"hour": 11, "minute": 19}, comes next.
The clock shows {"hour": 11, "minute": 30}
